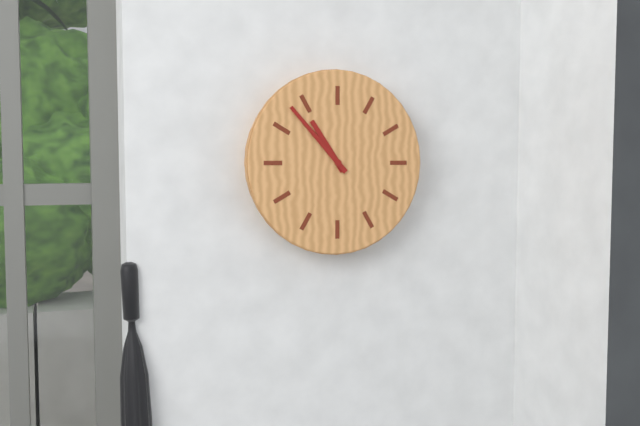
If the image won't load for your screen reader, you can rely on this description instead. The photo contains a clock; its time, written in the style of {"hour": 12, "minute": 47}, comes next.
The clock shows {"hour": 10, "minute": 53}
